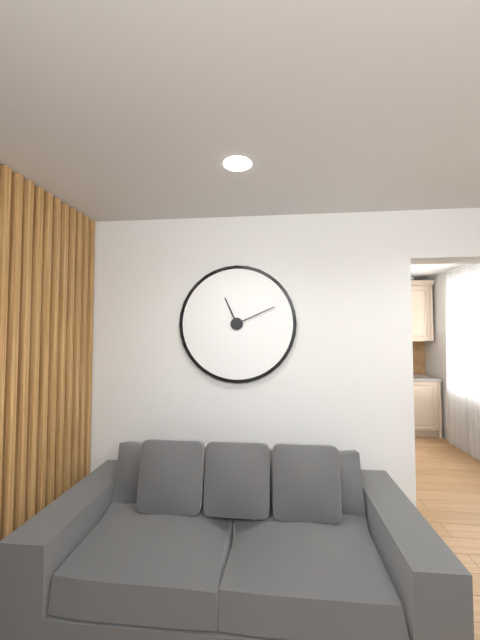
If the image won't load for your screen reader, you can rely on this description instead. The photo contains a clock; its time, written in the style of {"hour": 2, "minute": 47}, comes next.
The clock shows {"hour": 11, "minute": 11}
